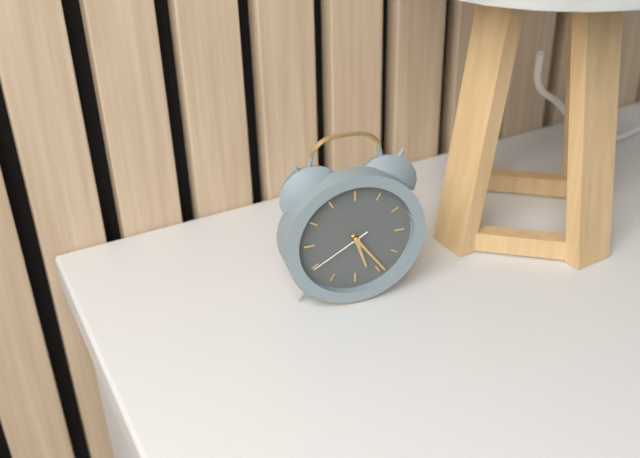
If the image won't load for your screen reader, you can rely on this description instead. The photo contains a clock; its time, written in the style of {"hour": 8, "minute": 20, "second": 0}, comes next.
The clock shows {"hour": 5, "minute": 24, "second": 40}
